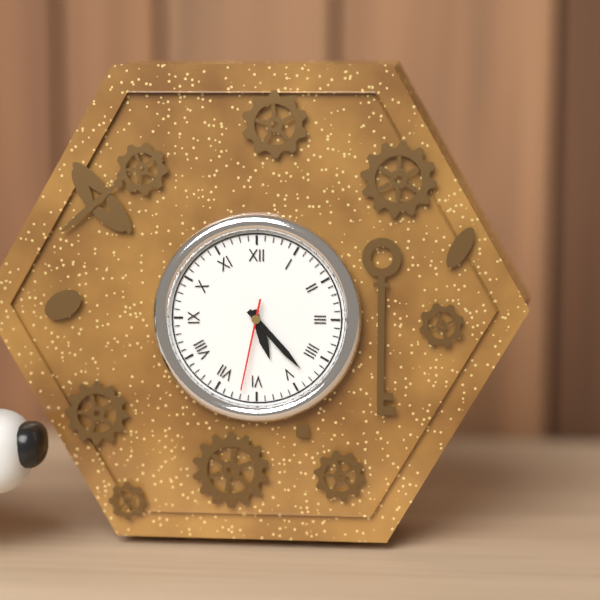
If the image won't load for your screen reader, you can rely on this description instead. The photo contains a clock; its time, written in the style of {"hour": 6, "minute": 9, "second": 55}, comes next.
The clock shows {"hour": 5, "minute": 23, "second": 32}
